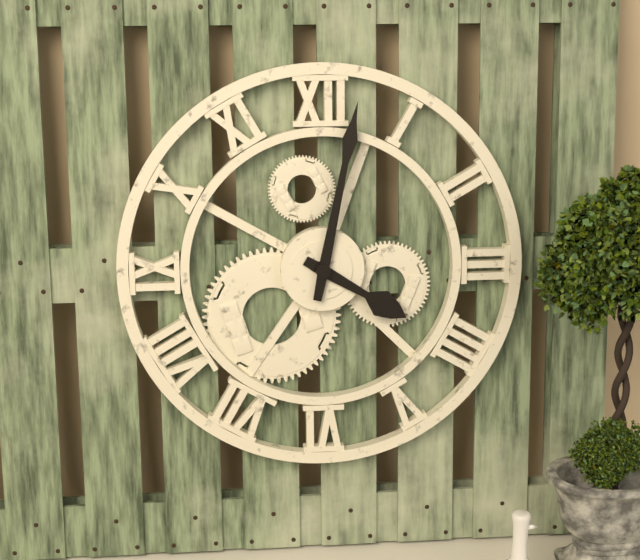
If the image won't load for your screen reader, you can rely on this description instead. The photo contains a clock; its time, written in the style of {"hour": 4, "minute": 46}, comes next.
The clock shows {"hour": 4, "minute": 2}
